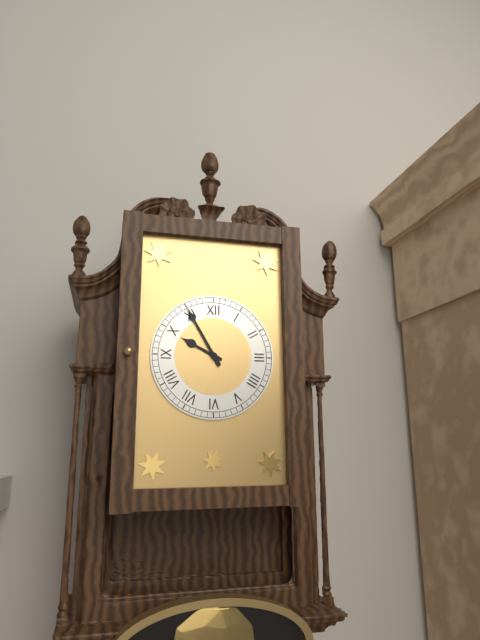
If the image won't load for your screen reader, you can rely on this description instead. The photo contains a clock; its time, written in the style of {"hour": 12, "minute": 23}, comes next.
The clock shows {"hour": 9, "minute": 55}
